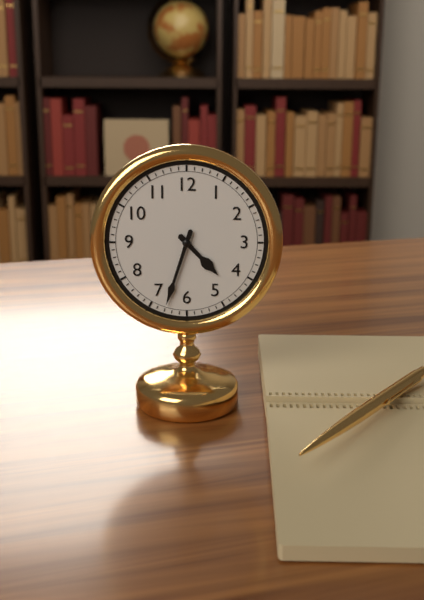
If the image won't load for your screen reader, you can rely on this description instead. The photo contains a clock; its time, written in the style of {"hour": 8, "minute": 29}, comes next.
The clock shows {"hour": 4, "minute": 33}
